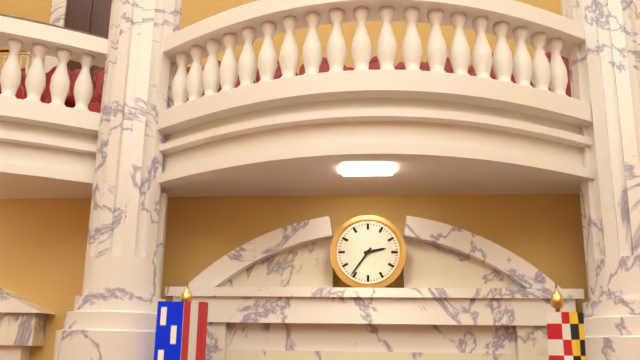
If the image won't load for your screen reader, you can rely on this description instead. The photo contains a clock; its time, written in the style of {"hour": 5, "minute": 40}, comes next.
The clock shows {"hour": 2, "minute": 36}
